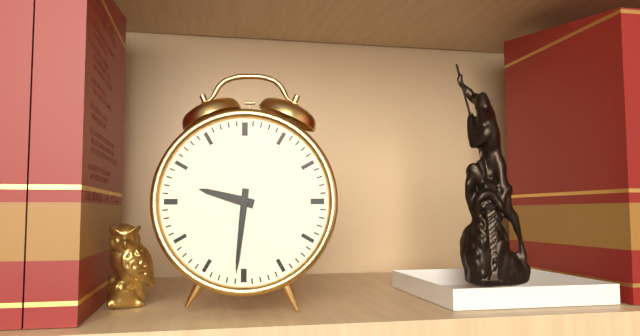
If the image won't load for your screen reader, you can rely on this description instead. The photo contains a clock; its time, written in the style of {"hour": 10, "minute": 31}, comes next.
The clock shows {"hour": 9, "minute": 31}
